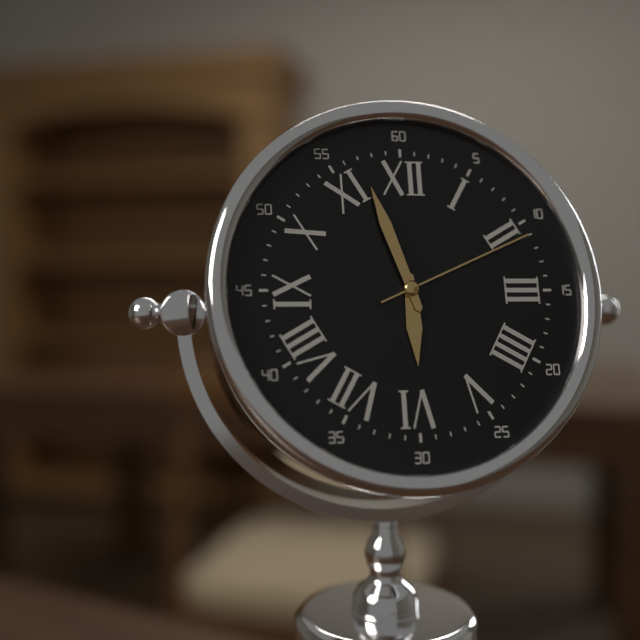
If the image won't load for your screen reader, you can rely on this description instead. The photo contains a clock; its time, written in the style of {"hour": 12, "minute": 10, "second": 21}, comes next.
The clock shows {"hour": 5, "minute": 57, "second": 11}
